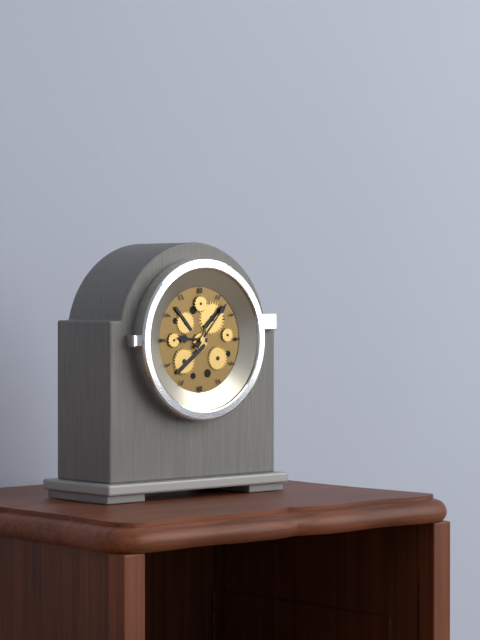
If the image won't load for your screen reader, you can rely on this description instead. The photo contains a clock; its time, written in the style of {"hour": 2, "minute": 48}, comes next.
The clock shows {"hour": 9, "minute": 7}
